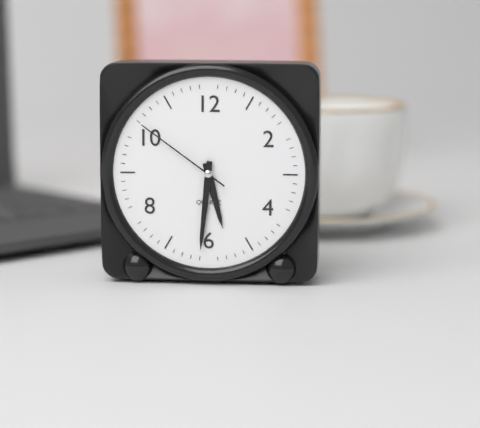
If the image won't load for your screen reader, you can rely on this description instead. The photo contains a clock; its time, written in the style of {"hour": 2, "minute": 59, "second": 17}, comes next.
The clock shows {"hour": 5, "minute": 31, "second": 51}
